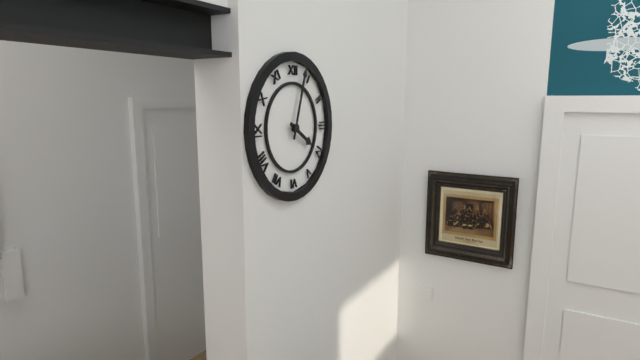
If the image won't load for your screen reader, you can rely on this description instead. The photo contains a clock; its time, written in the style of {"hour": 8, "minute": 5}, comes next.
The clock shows {"hour": 4, "minute": 3}
